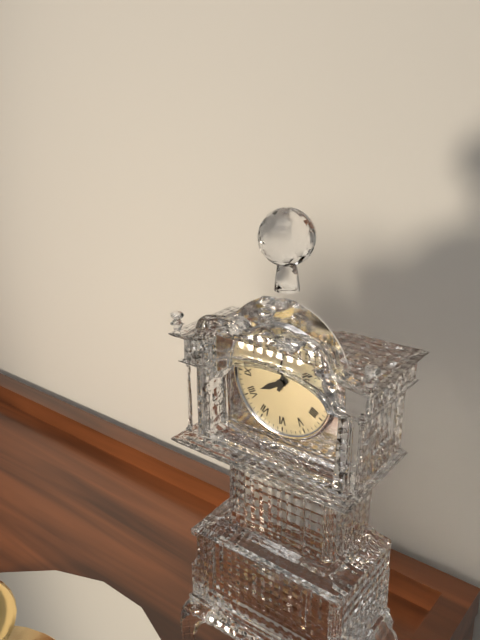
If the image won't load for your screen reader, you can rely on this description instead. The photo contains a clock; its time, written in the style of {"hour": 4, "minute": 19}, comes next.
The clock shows {"hour": 8, "minute": 3}
